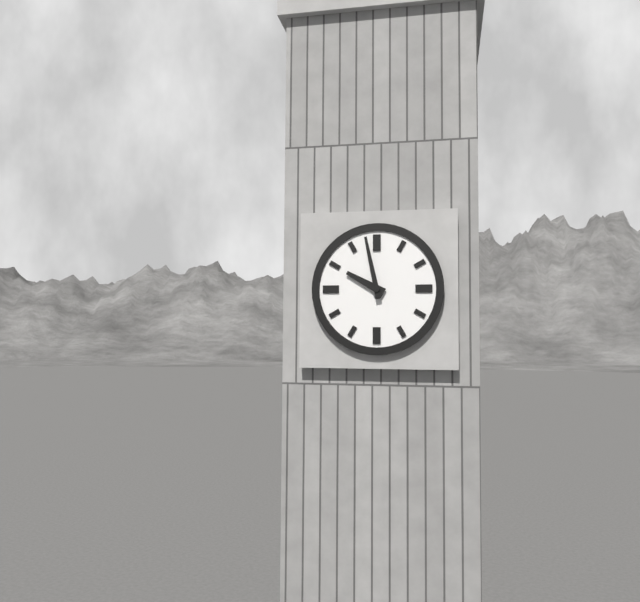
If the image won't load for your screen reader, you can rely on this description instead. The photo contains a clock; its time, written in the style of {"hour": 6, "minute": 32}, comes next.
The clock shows {"hour": 9, "minute": 58}
